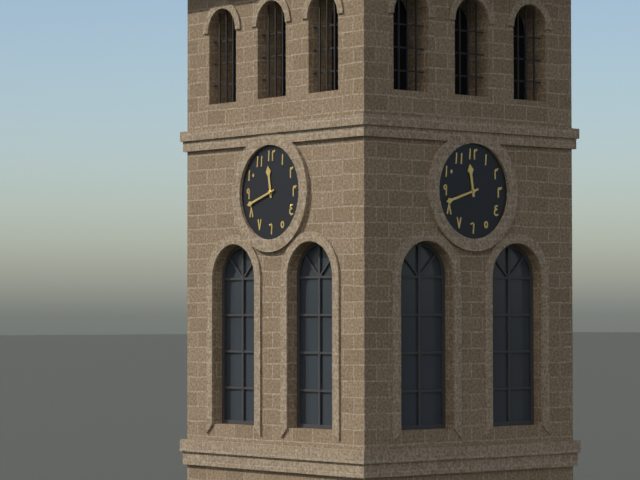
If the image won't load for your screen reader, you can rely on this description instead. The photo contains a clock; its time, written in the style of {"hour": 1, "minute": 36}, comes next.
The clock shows {"hour": 11, "minute": 42}
